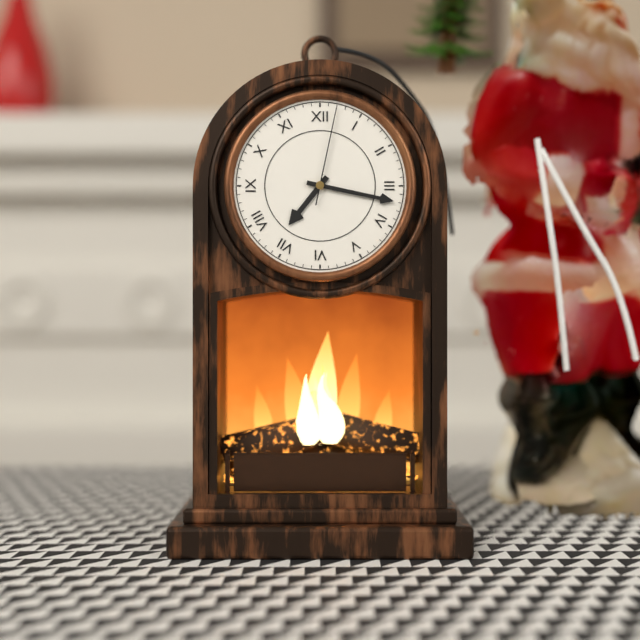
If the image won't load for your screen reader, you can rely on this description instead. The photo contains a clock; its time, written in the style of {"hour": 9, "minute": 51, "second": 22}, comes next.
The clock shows {"hour": 7, "minute": 17, "second": 2}
